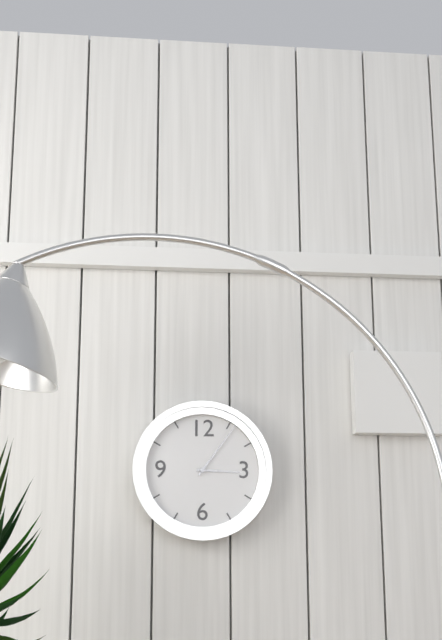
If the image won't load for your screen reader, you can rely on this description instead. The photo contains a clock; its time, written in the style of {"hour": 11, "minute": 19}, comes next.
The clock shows {"hour": 3, "minute": 6}
